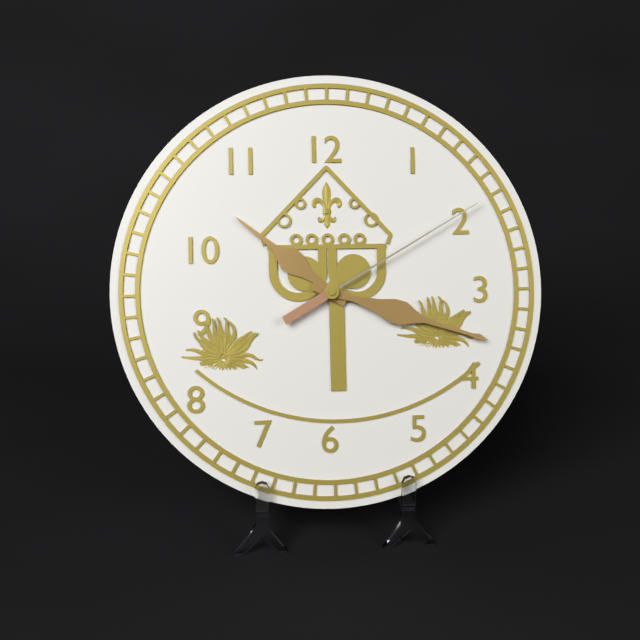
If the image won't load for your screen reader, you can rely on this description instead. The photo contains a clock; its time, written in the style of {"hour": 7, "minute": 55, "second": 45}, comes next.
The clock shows {"hour": 10, "minute": 18, "second": 10}
